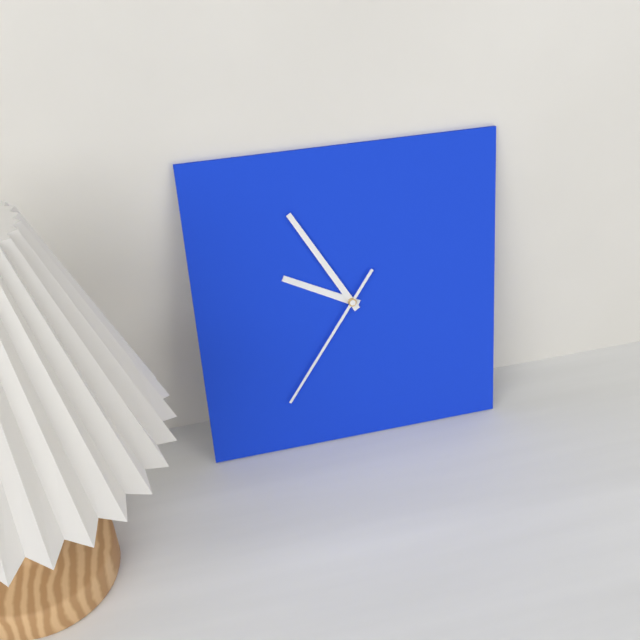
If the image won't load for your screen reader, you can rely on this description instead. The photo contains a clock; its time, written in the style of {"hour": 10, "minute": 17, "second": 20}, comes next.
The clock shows {"hour": 9, "minute": 55, "second": 36}
